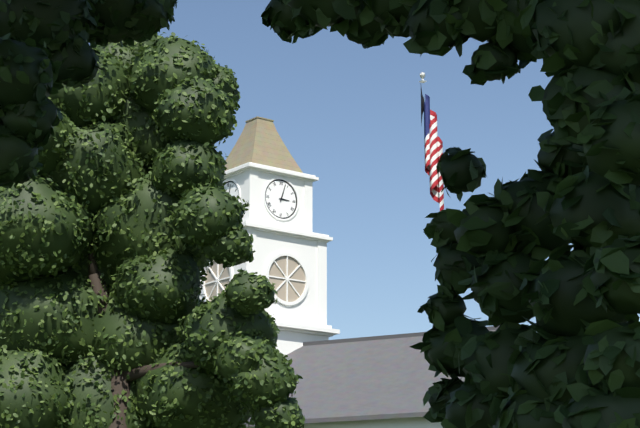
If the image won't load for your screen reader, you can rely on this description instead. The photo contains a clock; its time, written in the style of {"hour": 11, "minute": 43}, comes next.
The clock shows {"hour": 3, "minute": 3}
